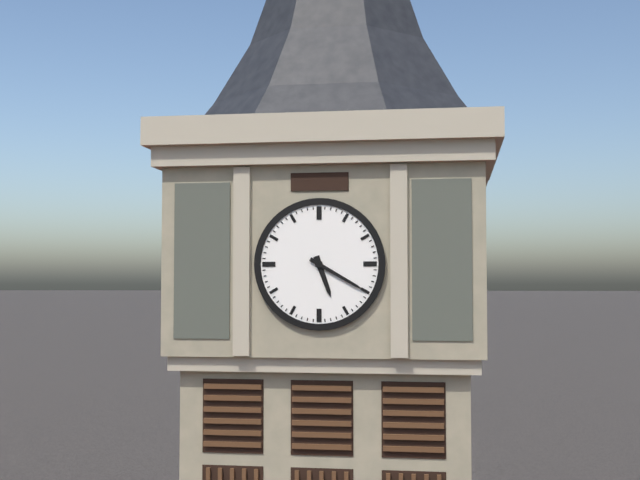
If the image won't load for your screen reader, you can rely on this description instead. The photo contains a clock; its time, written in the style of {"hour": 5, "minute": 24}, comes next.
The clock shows {"hour": 5, "minute": 20}
